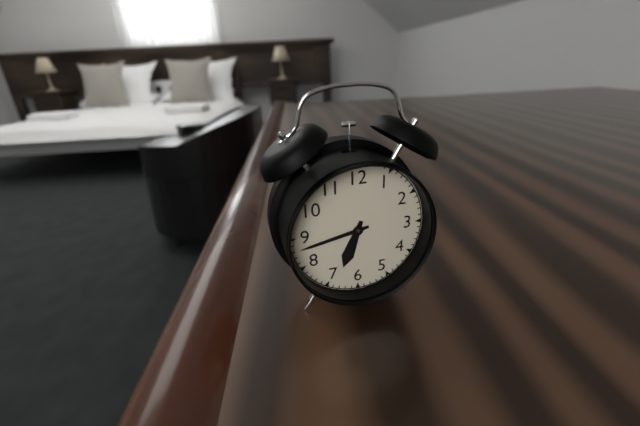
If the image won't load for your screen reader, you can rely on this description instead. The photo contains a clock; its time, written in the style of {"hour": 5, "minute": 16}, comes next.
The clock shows {"hour": 6, "minute": 43}
